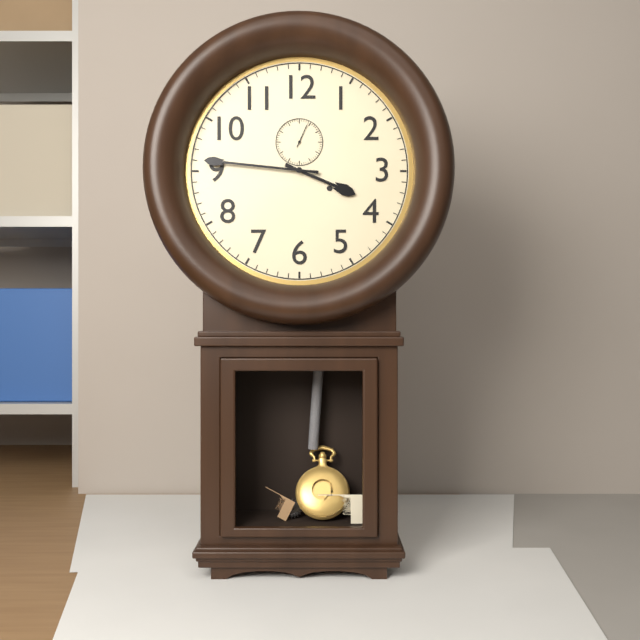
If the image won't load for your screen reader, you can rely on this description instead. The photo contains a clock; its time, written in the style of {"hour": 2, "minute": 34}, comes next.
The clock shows {"hour": 3, "minute": 46}
